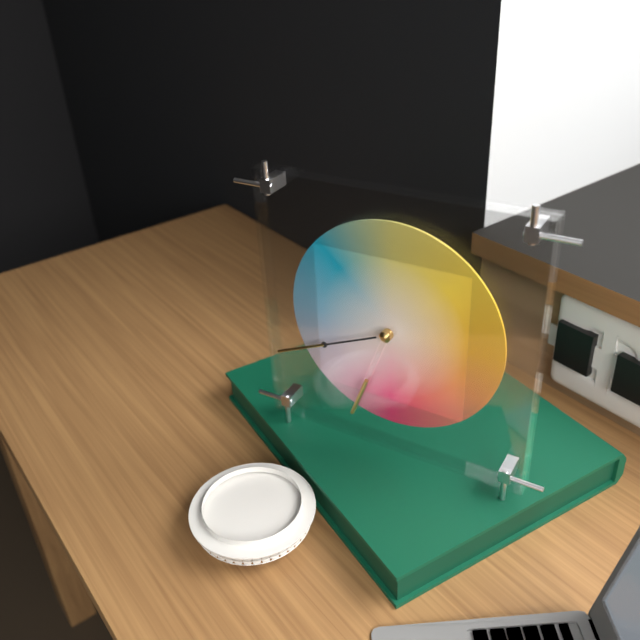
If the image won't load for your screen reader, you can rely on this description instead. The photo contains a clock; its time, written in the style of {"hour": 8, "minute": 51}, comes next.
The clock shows {"hour": 6, "minute": 41}
